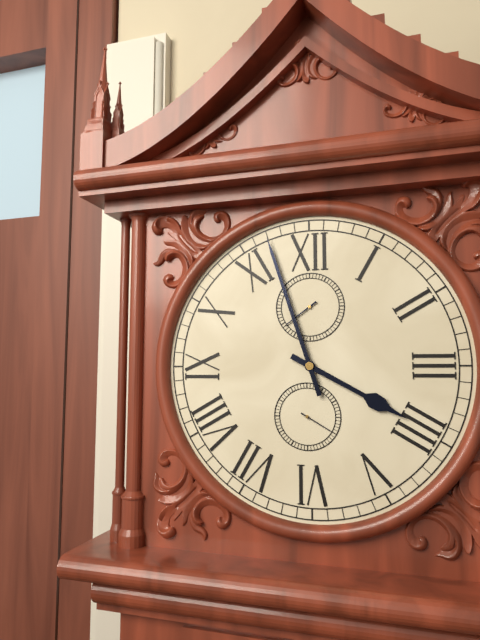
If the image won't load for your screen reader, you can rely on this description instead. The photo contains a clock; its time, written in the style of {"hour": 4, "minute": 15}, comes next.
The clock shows {"hour": 3, "minute": 57}
